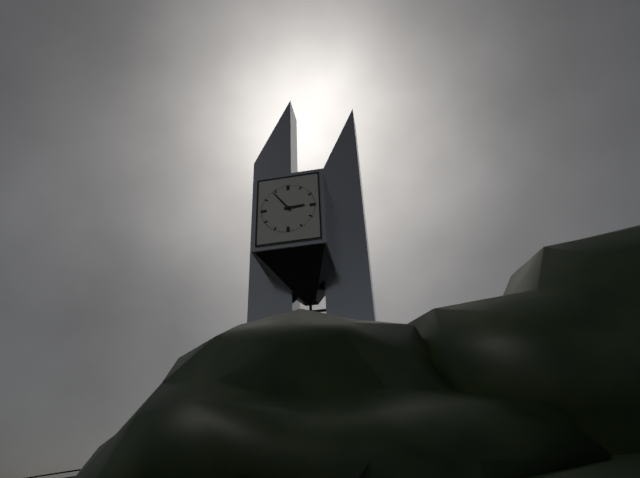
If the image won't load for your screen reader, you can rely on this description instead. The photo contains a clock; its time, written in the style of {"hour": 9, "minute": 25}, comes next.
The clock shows {"hour": 2, "minute": 54}
